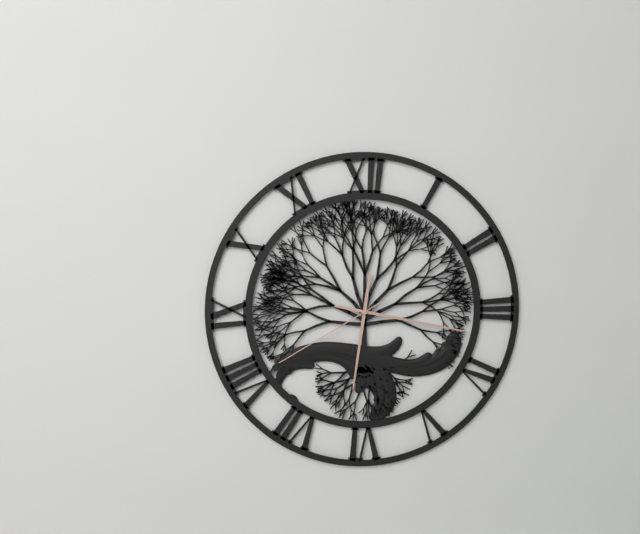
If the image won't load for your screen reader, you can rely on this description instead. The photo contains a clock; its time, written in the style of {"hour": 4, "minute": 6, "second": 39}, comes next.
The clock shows {"hour": 6, "minute": 17, "second": 40}
